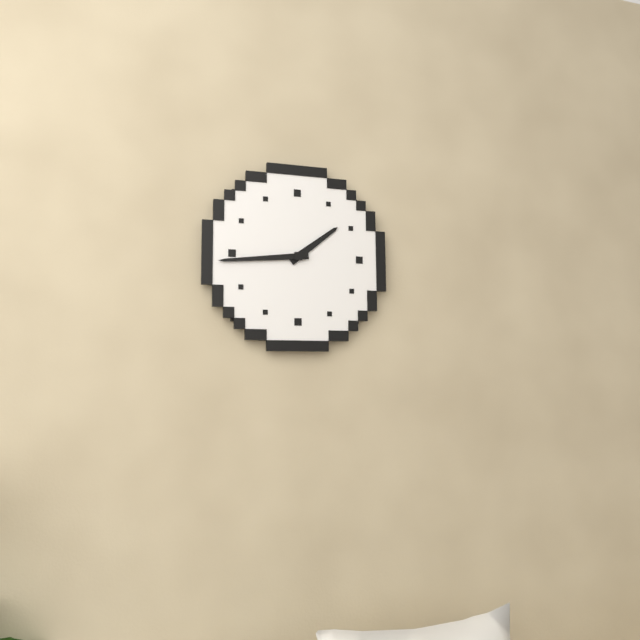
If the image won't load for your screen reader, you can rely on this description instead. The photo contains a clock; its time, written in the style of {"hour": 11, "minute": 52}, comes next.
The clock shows {"hour": 1, "minute": 44}
